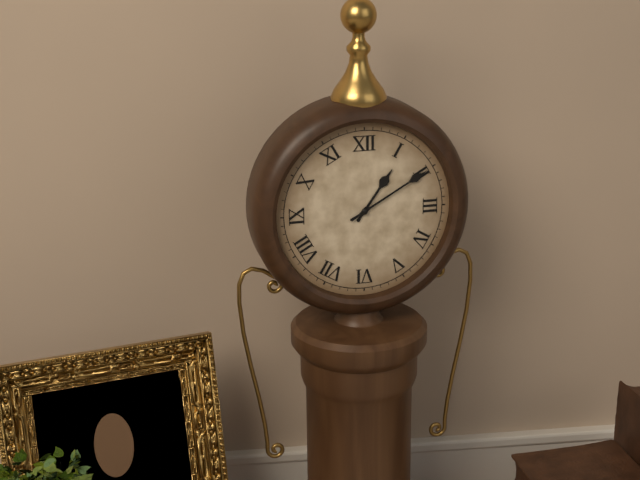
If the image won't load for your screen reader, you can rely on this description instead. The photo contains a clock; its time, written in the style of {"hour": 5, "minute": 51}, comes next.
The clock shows {"hour": 1, "minute": 10}
